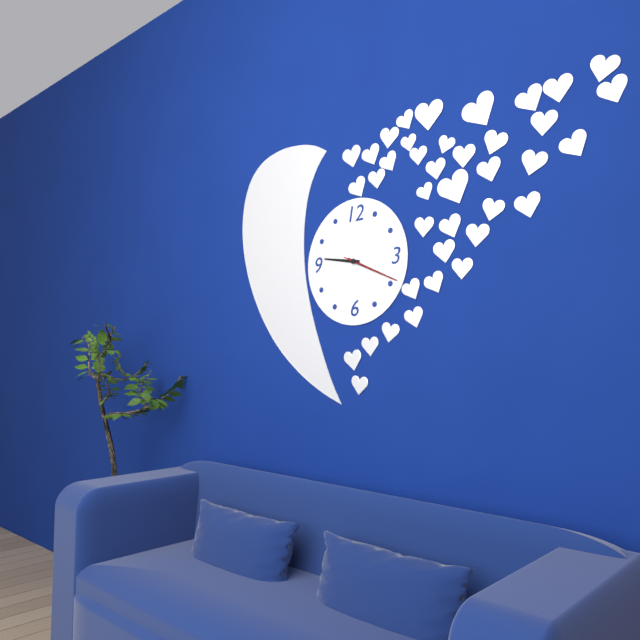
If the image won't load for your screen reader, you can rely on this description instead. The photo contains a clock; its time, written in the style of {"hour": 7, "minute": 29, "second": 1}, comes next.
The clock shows {"hour": 9, "minute": 19, "second": 19}
